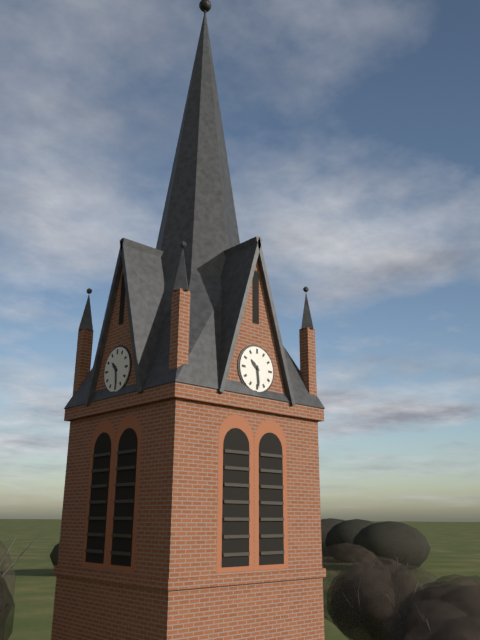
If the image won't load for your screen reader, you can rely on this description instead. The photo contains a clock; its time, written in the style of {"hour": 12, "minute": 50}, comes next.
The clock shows {"hour": 10, "minute": 29}
